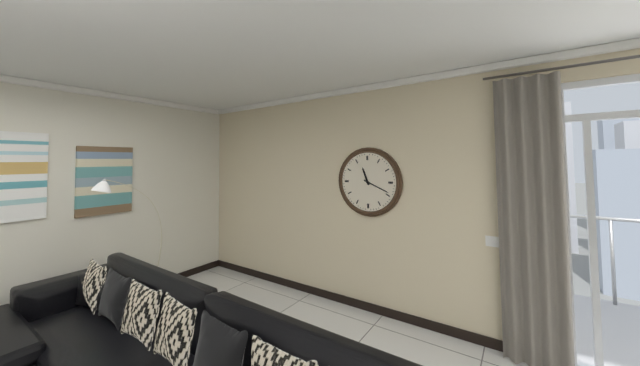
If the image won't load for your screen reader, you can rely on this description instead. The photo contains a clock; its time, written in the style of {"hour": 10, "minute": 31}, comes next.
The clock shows {"hour": 11, "minute": 19}
